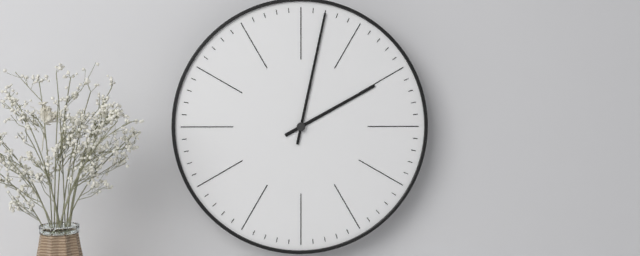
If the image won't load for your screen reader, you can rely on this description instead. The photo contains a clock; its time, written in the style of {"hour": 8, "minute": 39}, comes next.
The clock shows {"hour": 2, "minute": 2}
